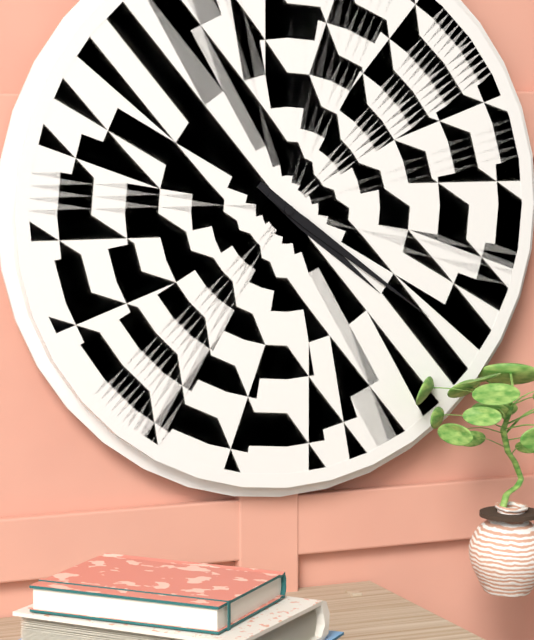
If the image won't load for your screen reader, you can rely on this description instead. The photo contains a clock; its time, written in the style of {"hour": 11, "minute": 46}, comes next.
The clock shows {"hour": 4, "minute": 21}
